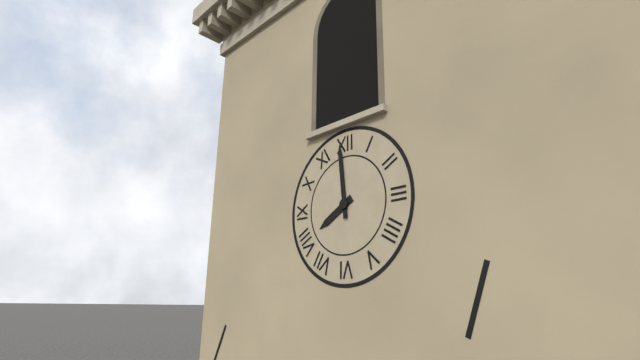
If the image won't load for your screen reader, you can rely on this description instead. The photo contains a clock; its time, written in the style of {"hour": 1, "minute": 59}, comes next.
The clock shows {"hour": 7, "minute": 59}
